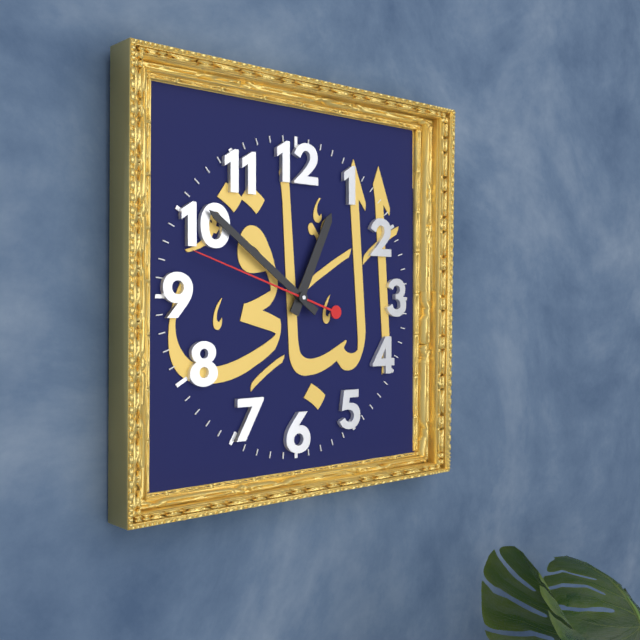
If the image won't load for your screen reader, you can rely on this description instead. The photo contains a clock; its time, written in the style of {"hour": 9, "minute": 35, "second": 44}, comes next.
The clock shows {"hour": 12, "minute": 51, "second": 48}
